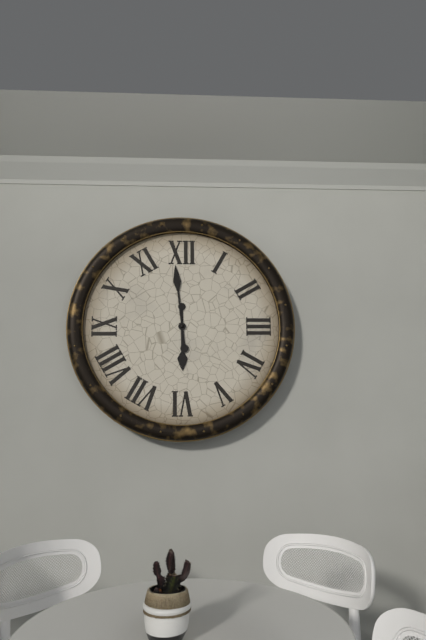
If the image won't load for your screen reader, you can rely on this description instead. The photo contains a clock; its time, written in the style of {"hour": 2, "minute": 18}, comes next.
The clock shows {"hour": 5, "minute": 59}
